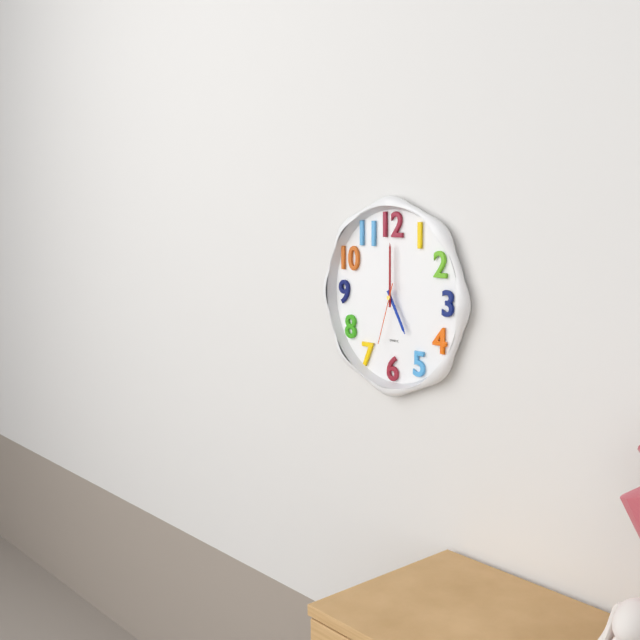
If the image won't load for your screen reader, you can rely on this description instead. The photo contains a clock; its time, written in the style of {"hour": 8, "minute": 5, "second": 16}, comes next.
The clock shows {"hour": 5, "minute": 0, "second": 33}
